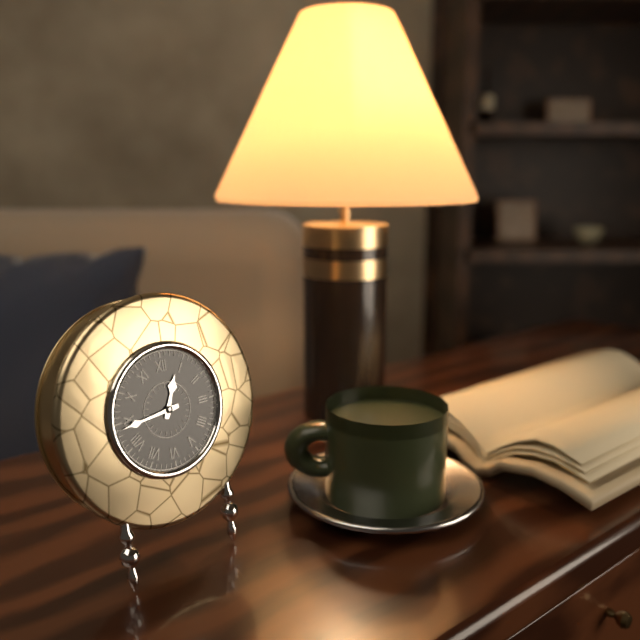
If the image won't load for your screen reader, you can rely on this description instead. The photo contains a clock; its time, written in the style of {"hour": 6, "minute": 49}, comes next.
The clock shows {"hour": 12, "minute": 44}
